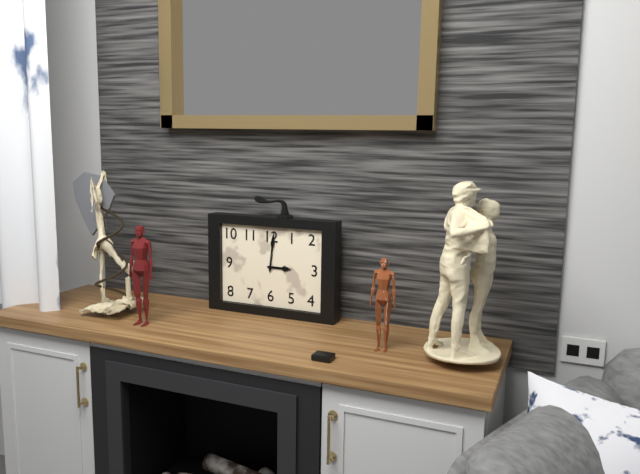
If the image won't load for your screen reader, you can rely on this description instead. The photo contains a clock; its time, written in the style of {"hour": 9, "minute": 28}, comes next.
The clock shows {"hour": 3, "minute": 1}
